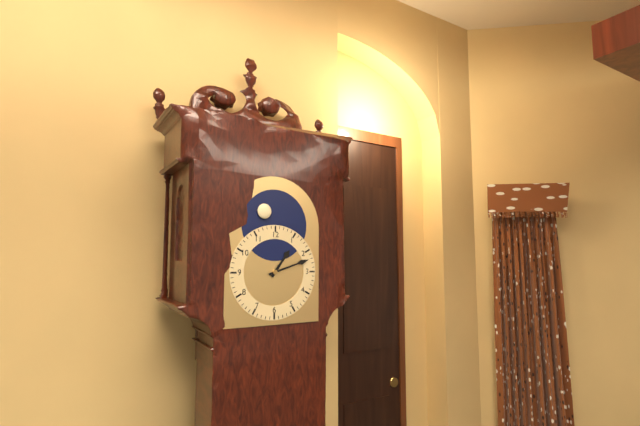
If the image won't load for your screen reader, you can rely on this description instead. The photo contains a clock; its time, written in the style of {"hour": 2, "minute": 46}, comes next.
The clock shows {"hour": 1, "minute": 12}
